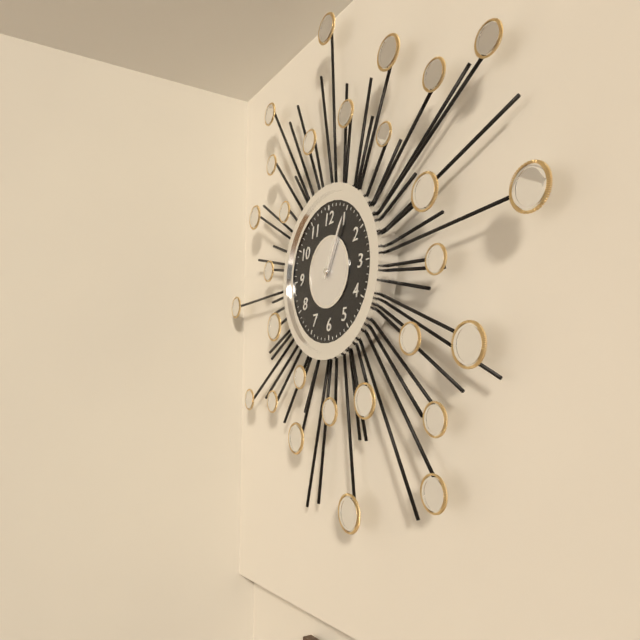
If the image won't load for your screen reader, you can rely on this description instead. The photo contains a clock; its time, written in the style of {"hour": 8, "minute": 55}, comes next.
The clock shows {"hour": 1, "minute": 5}
